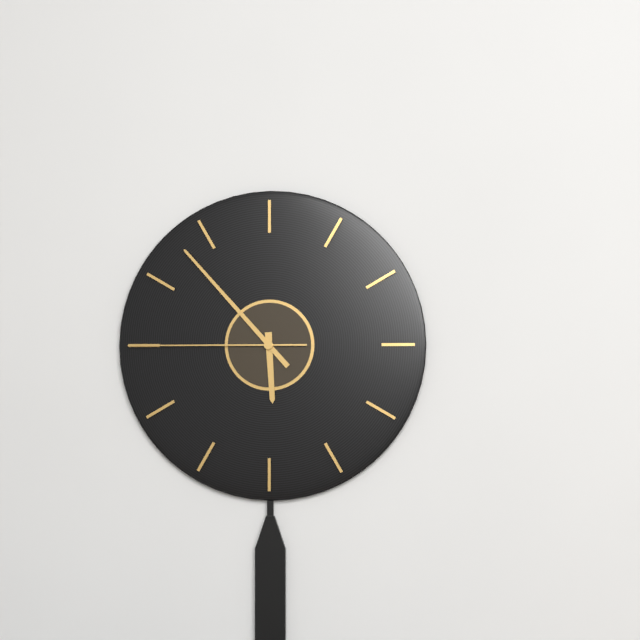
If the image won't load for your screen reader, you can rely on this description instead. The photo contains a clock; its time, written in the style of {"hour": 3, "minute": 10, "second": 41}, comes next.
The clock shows {"hour": 5, "minute": 53, "second": 45}
